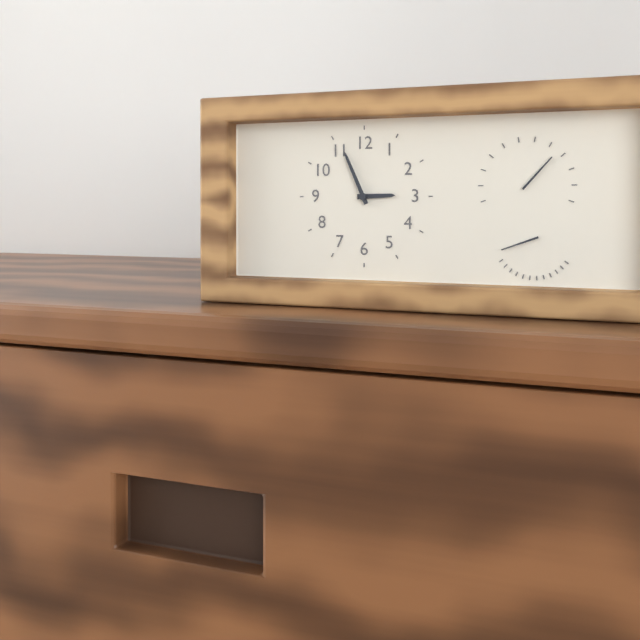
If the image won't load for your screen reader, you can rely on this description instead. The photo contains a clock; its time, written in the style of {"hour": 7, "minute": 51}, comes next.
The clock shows {"hour": 2, "minute": 56}
